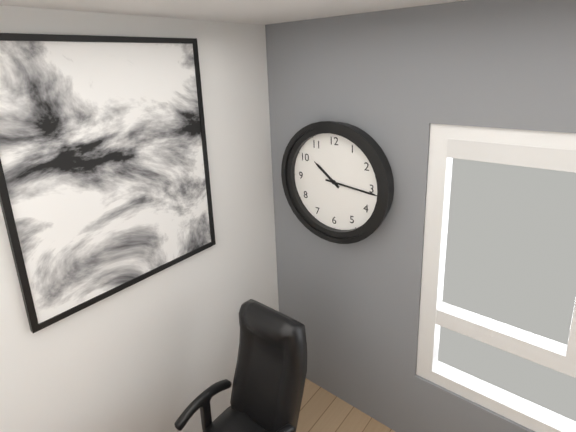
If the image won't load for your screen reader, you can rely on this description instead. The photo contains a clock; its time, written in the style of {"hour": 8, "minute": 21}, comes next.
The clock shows {"hour": 10, "minute": 16}
